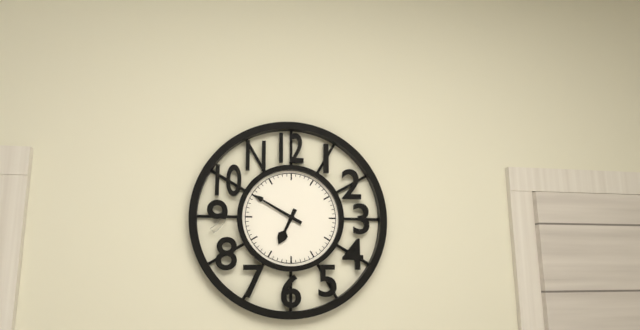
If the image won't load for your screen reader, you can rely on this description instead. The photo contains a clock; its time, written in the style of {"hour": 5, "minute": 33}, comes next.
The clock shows {"hour": 6, "minute": 50}
